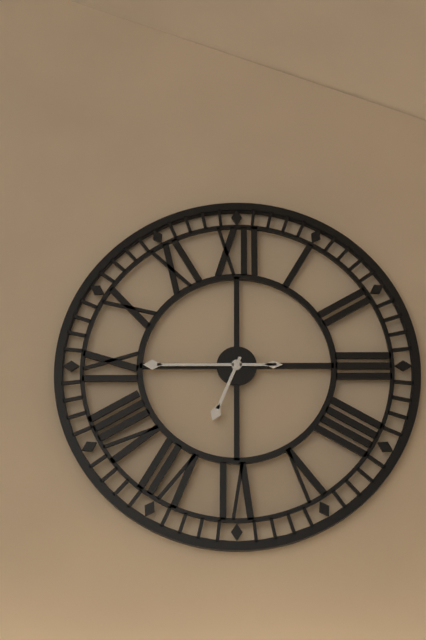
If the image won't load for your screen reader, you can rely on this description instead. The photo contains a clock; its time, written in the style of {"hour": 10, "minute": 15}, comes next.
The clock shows {"hour": 6, "minute": 45}
